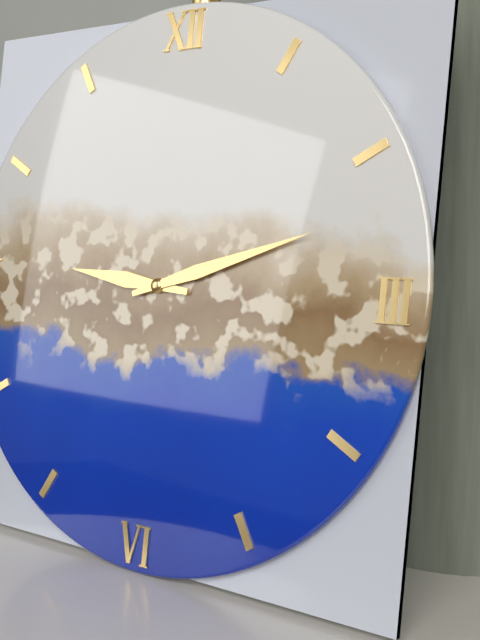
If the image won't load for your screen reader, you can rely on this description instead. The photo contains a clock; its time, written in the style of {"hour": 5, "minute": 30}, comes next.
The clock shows {"hour": 9, "minute": 12}
